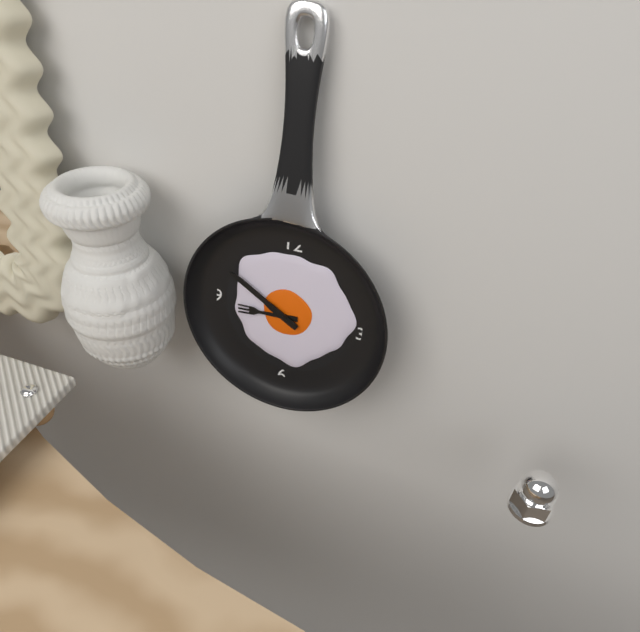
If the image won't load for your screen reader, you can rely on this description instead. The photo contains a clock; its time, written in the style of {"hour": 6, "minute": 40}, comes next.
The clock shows {"hour": 8, "minute": 50}
